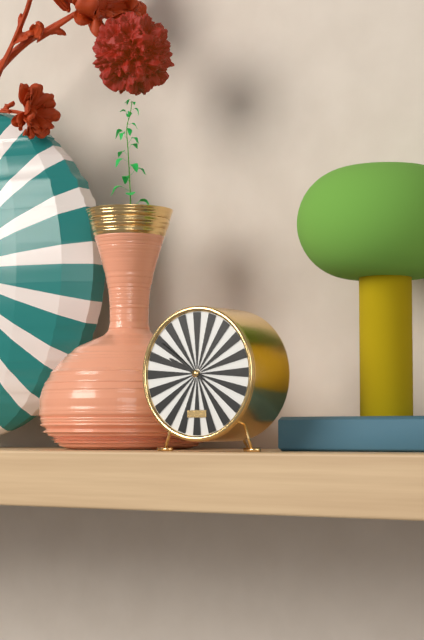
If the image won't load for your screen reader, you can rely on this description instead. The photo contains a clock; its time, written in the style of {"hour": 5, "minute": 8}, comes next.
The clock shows {"hour": 9, "minute": 51}
